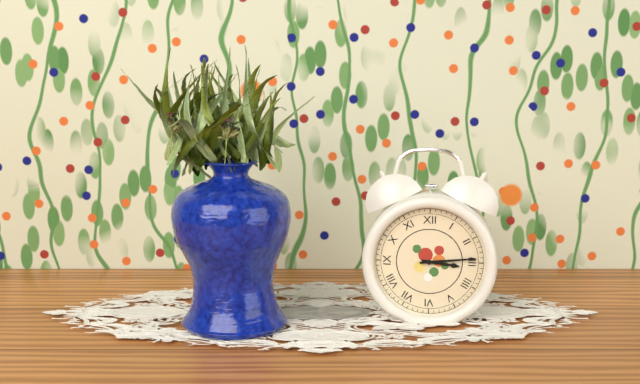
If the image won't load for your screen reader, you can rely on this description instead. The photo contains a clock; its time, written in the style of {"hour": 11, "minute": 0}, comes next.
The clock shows {"hour": 3, "minute": 14}
